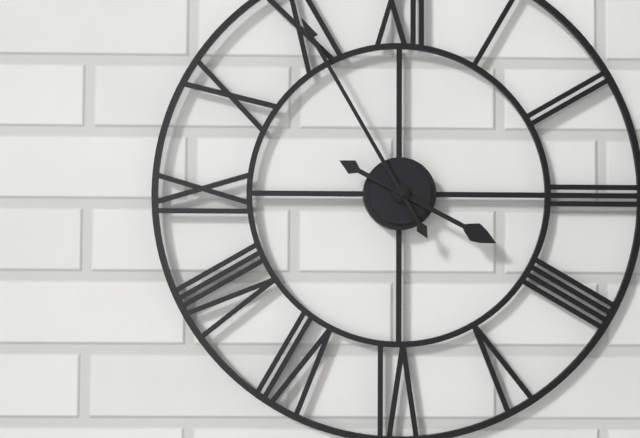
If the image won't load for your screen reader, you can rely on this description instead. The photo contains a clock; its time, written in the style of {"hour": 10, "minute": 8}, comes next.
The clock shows {"hour": 3, "minute": 55}
